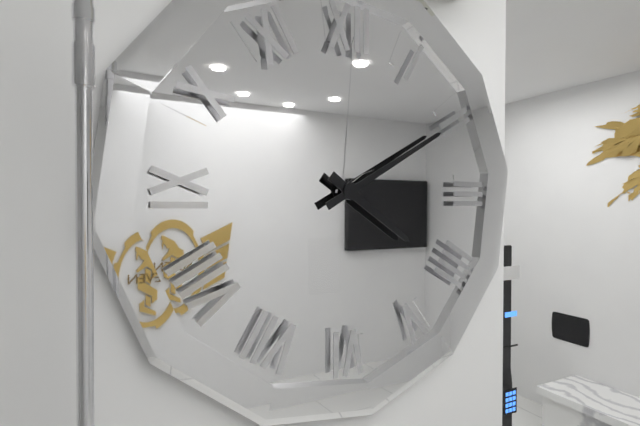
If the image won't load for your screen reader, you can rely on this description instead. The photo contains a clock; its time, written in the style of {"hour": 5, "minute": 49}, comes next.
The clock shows {"hour": 4, "minute": 10}
